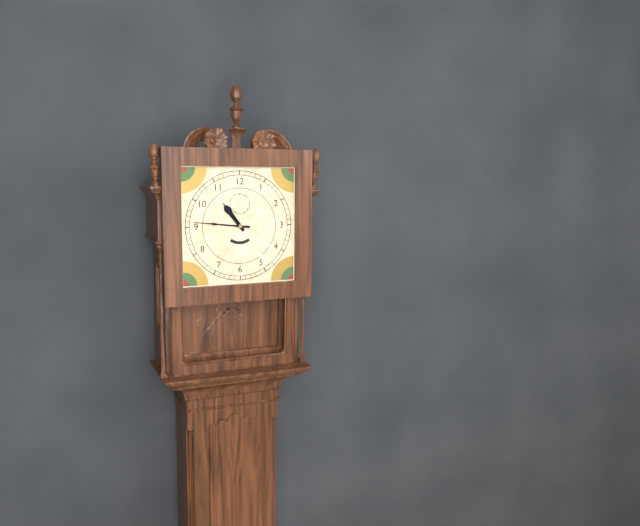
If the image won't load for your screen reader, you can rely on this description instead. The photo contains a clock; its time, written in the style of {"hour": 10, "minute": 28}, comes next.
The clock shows {"hour": 10, "minute": 46}
